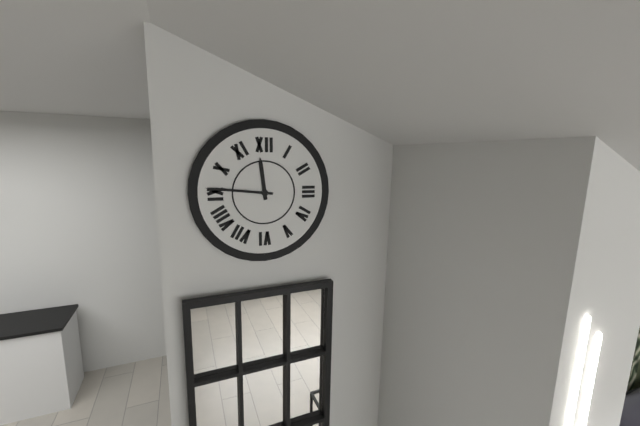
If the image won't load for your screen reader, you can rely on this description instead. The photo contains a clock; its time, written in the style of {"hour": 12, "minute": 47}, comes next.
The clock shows {"hour": 11, "minute": 46}
